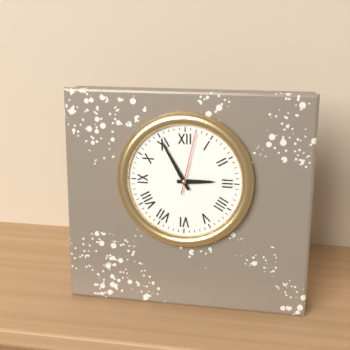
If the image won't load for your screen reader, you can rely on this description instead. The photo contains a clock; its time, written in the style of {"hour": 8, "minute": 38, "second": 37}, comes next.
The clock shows {"hour": 2, "minute": 55, "second": 2}
